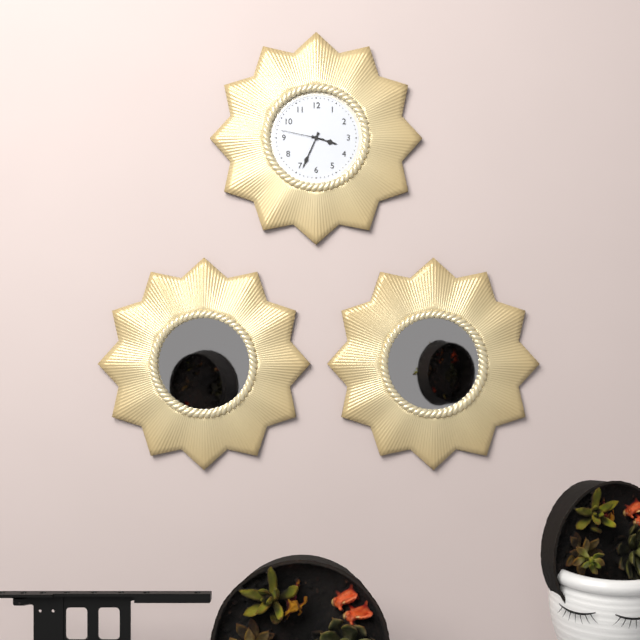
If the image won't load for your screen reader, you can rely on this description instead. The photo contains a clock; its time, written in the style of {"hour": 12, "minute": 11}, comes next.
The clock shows {"hour": 3, "minute": 34}
